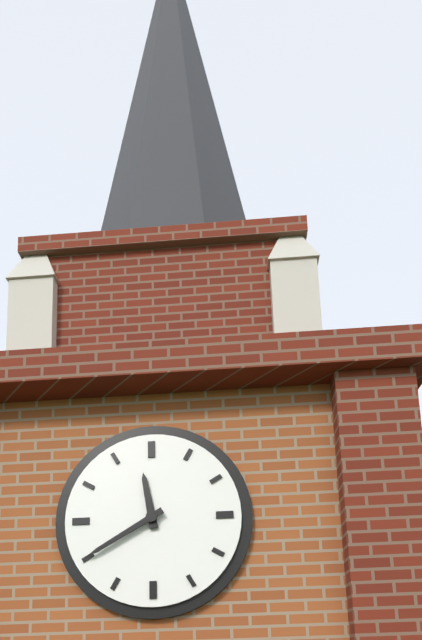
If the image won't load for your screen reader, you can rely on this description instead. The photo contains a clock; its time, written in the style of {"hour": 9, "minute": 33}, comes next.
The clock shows {"hour": 11, "minute": 40}
